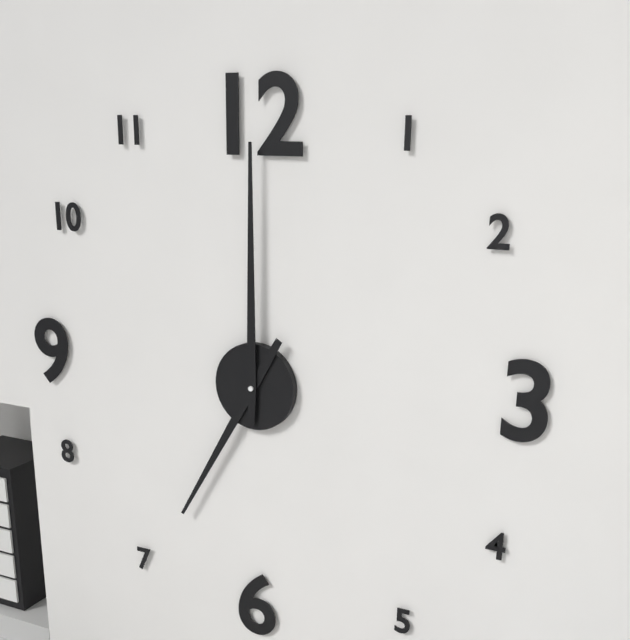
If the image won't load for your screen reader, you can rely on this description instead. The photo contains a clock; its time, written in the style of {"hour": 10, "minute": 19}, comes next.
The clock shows {"hour": 7, "minute": 0}
